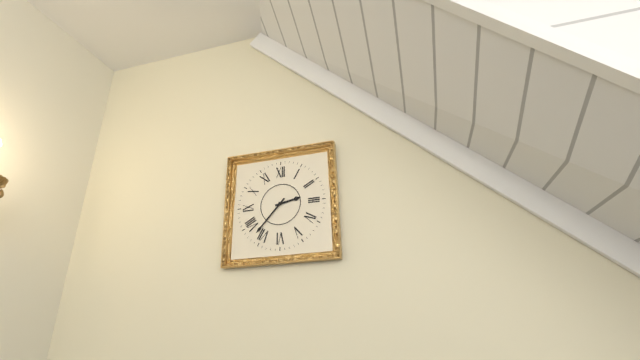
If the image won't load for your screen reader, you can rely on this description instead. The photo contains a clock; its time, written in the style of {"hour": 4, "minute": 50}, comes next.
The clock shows {"hour": 2, "minute": 37}
